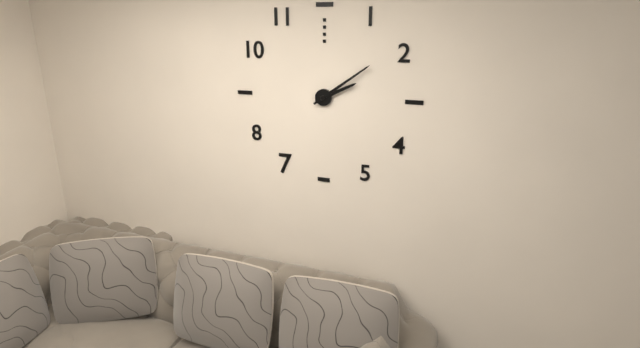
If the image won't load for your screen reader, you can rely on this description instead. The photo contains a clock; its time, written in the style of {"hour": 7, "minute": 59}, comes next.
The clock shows {"hour": 2, "minute": 9}
